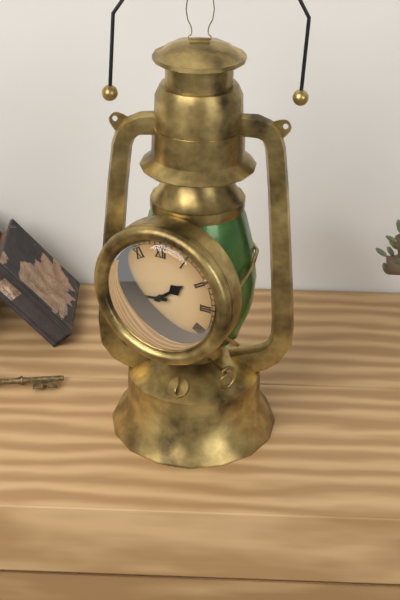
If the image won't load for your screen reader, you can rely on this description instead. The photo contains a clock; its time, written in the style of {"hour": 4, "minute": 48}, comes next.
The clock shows {"hour": 1, "minute": 44}
